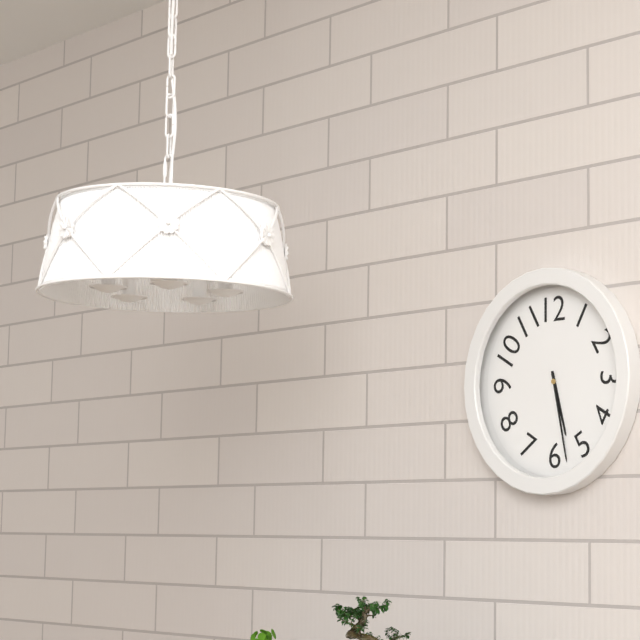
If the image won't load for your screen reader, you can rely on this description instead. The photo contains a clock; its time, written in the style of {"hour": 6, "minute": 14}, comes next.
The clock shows {"hour": 5, "minute": 28}
